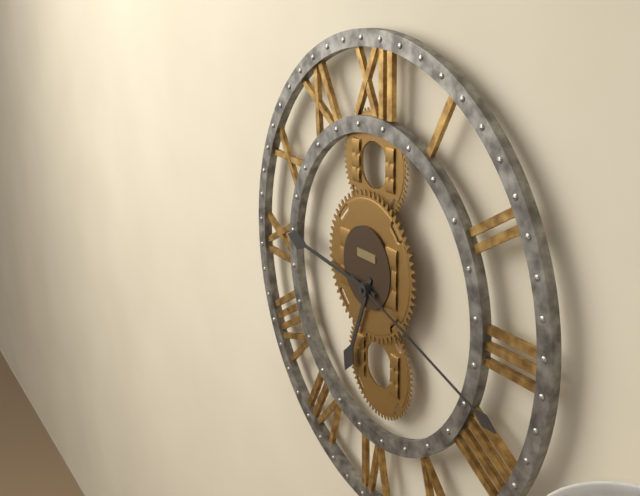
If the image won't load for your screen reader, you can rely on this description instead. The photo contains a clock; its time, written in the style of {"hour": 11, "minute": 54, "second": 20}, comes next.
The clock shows {"hour": 6, "minute": 46, "second": 18}
